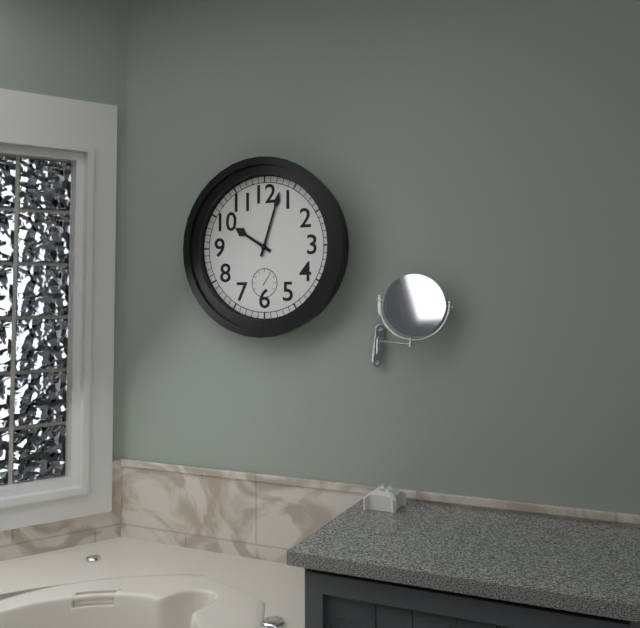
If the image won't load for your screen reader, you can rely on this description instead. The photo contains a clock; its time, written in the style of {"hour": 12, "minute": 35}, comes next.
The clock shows {"hour": 10, "minute": 3}
